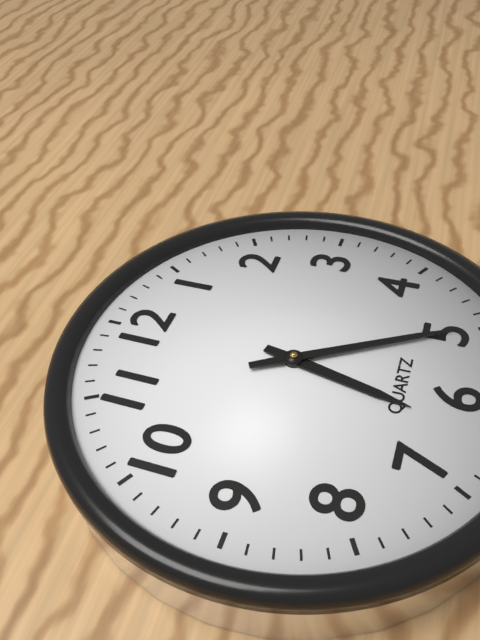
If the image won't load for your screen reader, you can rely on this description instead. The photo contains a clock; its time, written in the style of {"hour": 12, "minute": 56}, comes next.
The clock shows {"hour": 6, "minute": 25}
